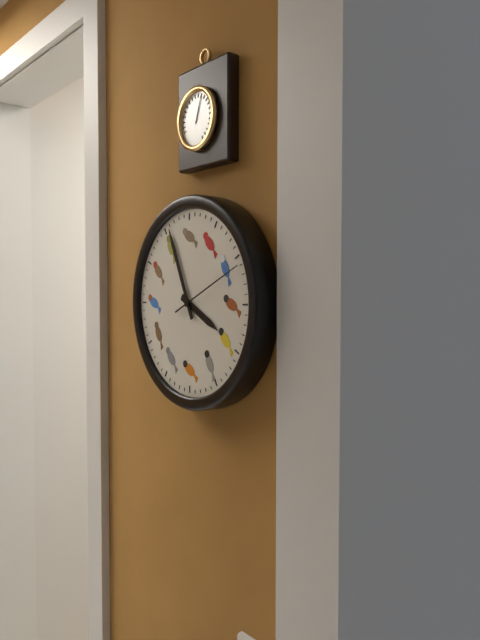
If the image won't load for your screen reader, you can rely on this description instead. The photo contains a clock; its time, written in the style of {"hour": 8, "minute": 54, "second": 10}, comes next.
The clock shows {"hour": 3, "minute": 56, "second": 11}
